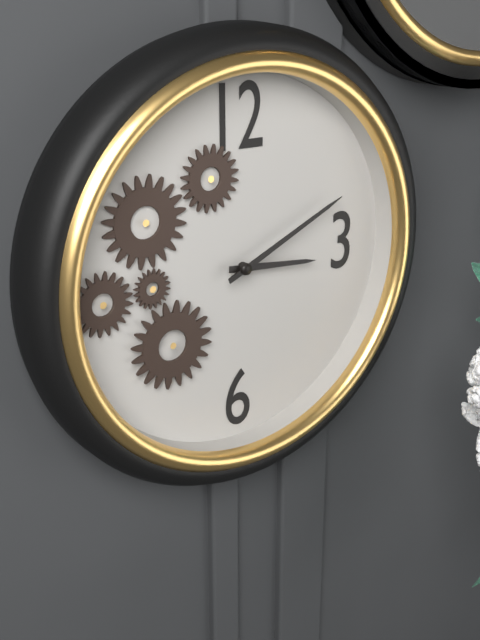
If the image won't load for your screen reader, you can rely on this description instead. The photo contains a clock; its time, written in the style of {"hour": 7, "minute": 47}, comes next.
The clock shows {"hour": 3, "minute": 11}
